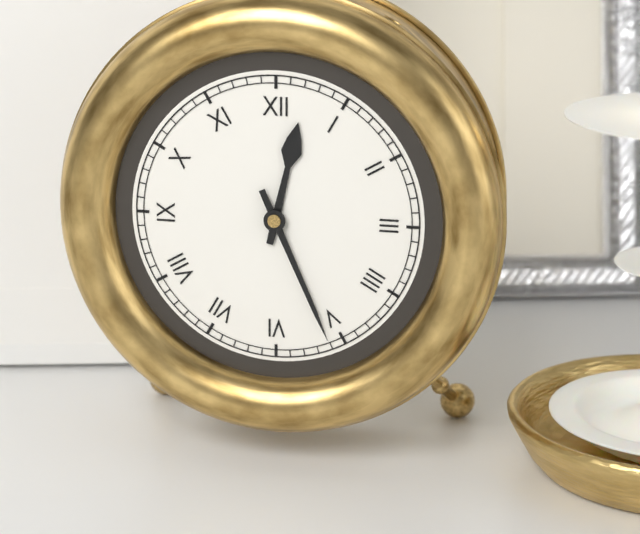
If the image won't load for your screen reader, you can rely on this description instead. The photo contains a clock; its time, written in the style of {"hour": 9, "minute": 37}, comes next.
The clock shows {"hour": 12, "minute": 26}
